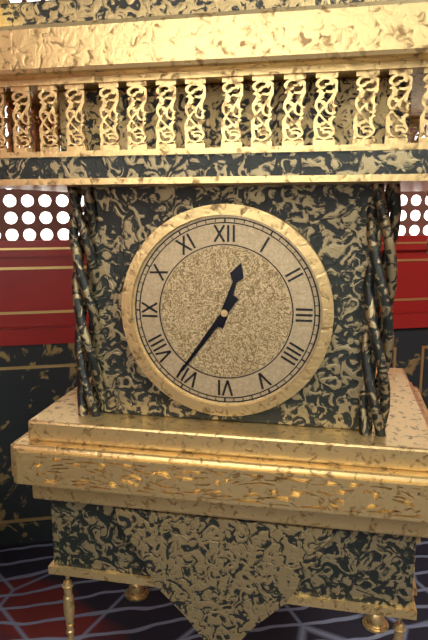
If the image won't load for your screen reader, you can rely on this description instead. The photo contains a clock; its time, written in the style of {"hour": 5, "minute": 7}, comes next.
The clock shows {"hour": 12, "minute": 36}
